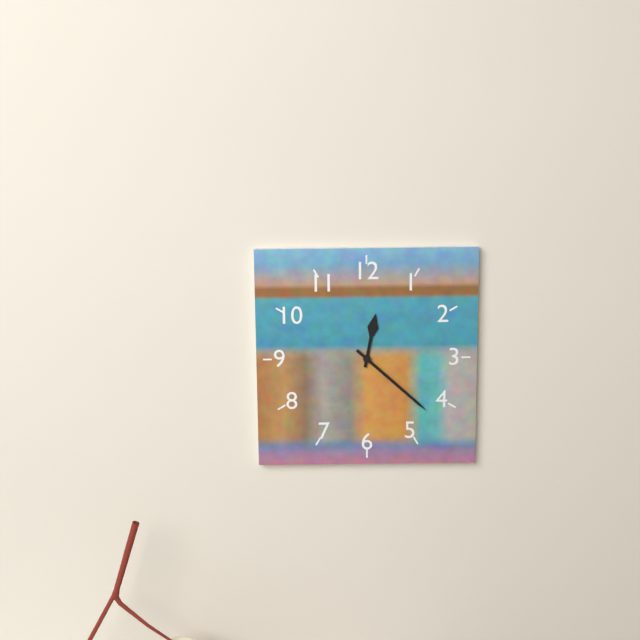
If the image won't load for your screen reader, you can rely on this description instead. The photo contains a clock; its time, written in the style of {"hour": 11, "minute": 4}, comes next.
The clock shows {"hour": 12, "minute": 22}
